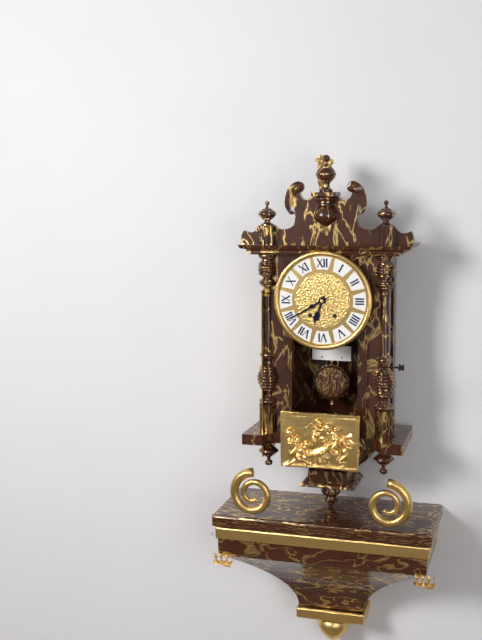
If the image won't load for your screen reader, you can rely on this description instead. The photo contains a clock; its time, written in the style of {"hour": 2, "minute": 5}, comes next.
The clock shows {"hour": 6, "minute": 40}
